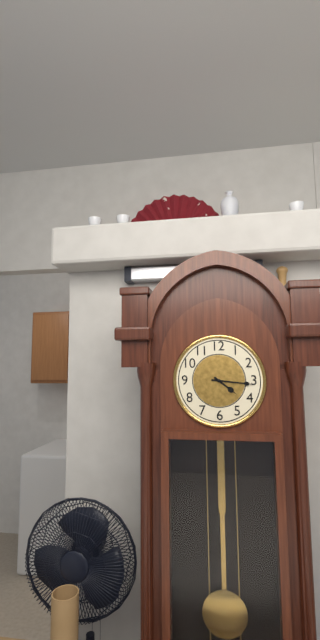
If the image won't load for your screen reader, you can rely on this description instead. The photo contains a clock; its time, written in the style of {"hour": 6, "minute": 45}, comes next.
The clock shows {"hour": 4, "minute": 16}
